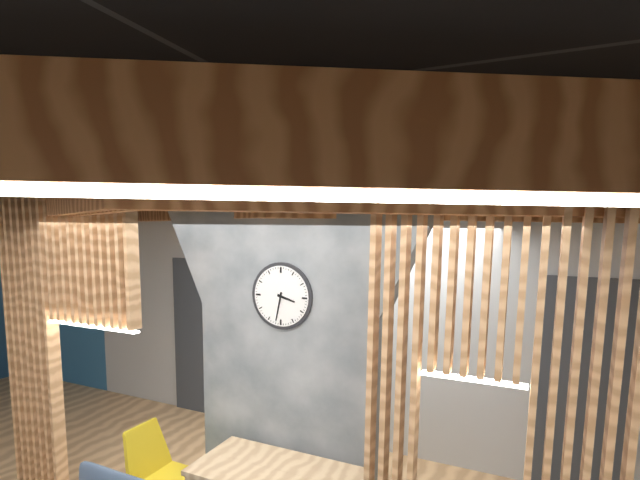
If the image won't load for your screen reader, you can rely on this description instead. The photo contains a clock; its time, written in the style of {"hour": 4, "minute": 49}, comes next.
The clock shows {"hour": 3, "minute": 32}
